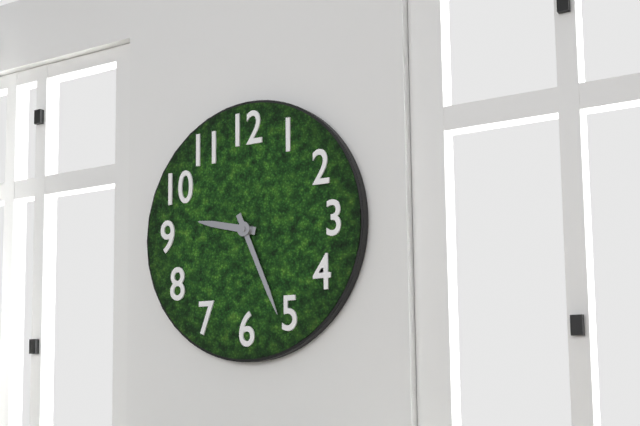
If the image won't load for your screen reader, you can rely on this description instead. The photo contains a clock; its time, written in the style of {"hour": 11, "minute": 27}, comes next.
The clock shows {"hour": 9, "minute": 26}
